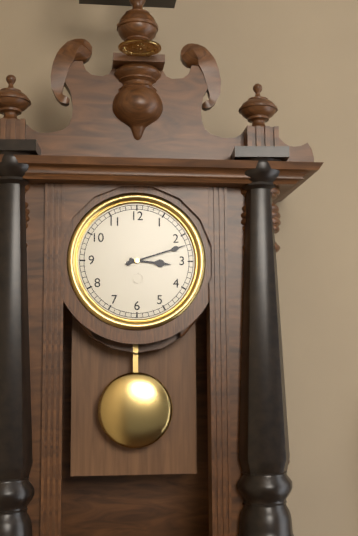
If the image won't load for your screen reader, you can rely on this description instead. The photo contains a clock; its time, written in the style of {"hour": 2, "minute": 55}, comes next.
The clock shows {"hour": 3, "minute": 12}
